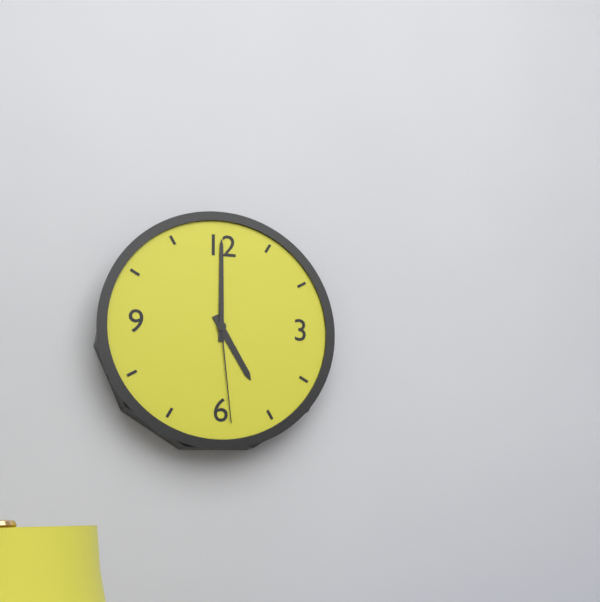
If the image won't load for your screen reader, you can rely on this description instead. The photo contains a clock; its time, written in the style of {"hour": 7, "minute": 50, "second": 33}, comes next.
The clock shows {"hour": 5, "minute": 0, "second": 29}
